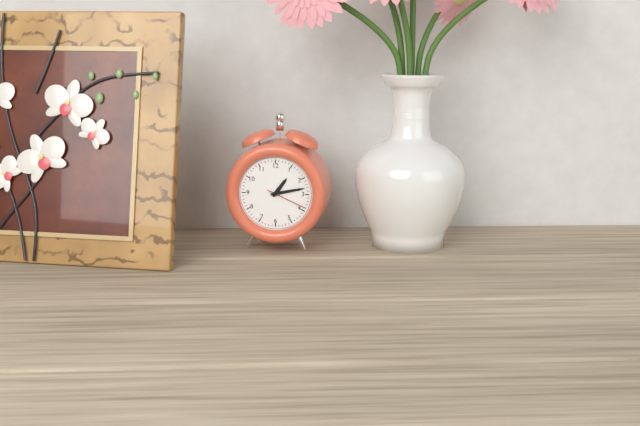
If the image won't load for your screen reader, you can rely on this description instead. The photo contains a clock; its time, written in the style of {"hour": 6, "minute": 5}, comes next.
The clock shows {"hour": 1, "minute": 13}
